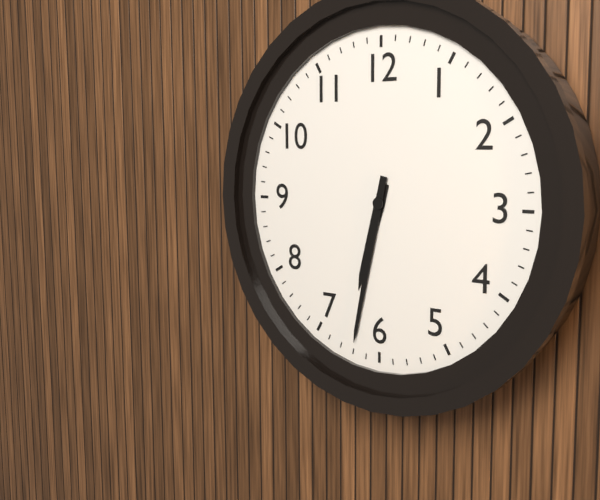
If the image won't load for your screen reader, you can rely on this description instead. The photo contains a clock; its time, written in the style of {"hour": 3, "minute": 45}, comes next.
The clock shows {"hour": 6, "minute": 32}
